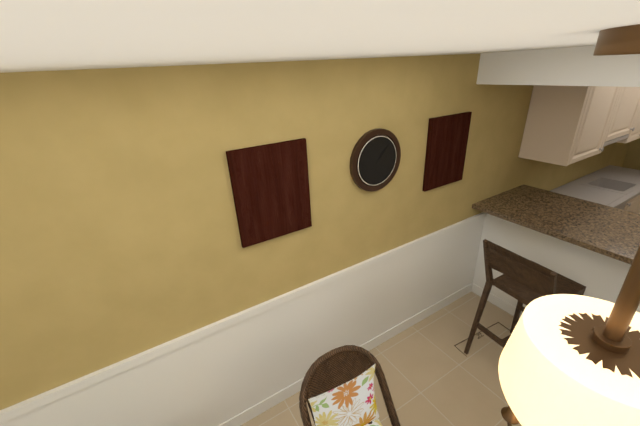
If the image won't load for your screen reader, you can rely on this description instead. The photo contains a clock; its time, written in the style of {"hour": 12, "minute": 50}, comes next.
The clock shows {"hour": 1, "minute": 7}
